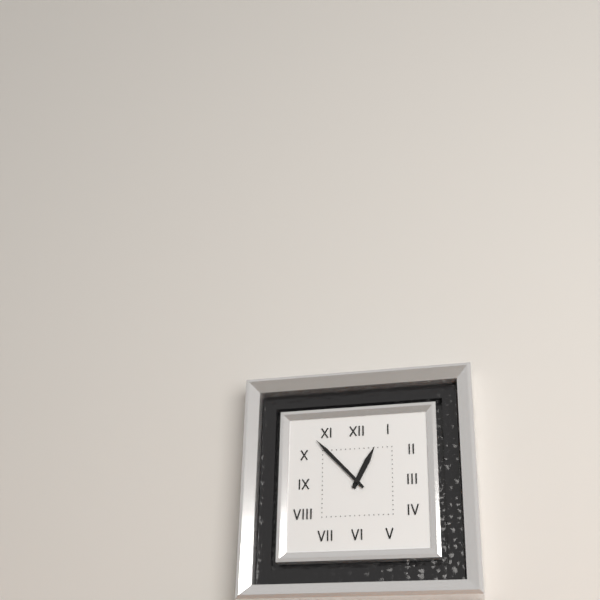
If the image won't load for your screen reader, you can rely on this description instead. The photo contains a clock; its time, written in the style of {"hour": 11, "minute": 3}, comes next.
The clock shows {"hour": 12, "minute": 53}
